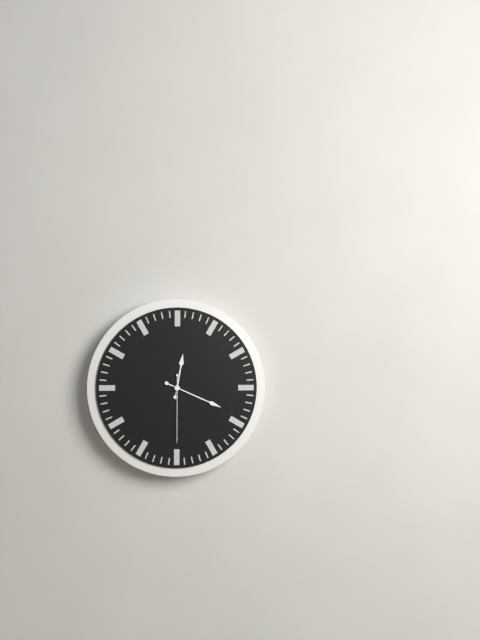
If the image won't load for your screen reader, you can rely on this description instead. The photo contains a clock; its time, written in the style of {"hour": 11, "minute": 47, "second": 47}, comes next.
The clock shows {"hour": 12, "minute": 19, "second": 30}
